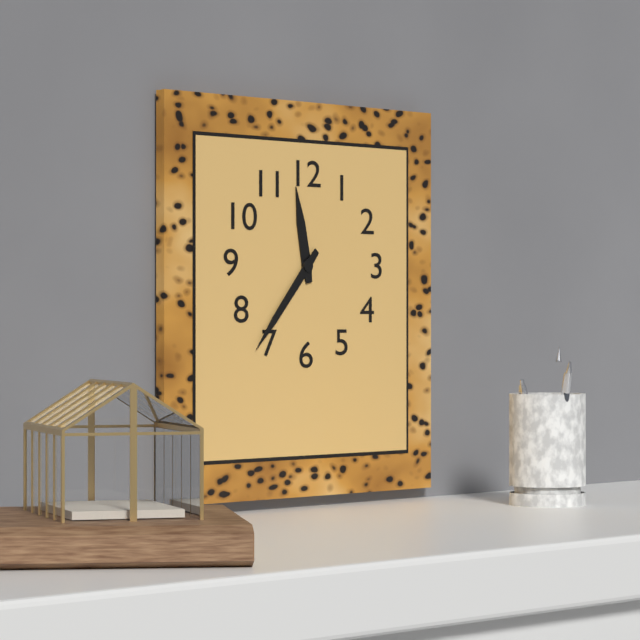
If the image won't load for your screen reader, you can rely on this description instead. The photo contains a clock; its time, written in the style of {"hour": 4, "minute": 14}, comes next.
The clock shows {"hour": 11, "minute": 37}
